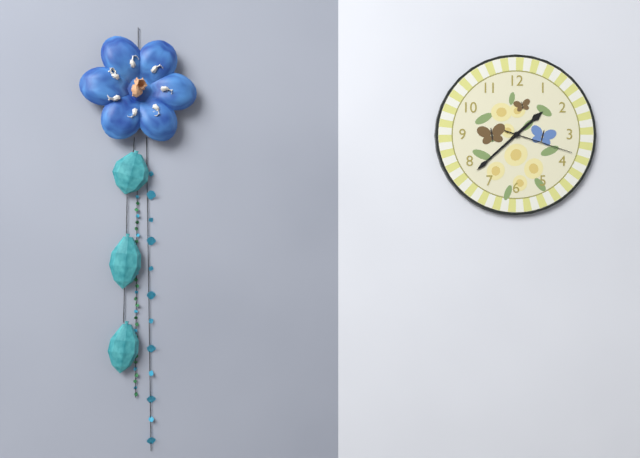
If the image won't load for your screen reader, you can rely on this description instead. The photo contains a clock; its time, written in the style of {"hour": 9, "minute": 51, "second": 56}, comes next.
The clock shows {"hour": 1, "minute": 38, "second": 18}
